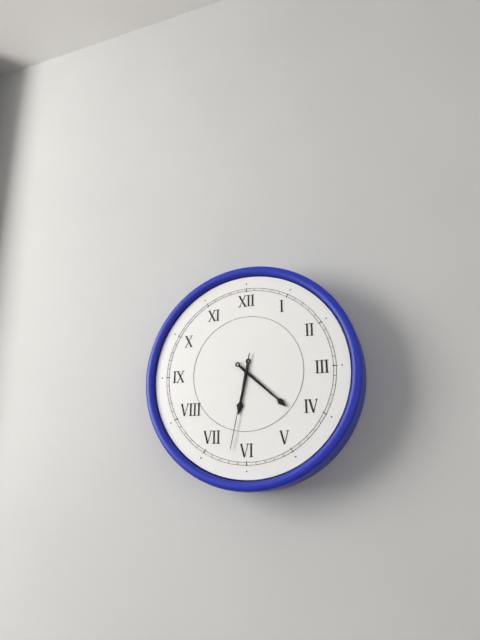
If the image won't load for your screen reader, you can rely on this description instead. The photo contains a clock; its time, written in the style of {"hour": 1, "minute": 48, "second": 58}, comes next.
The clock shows {"hour": 6, "minute": 22, "second": 32}
